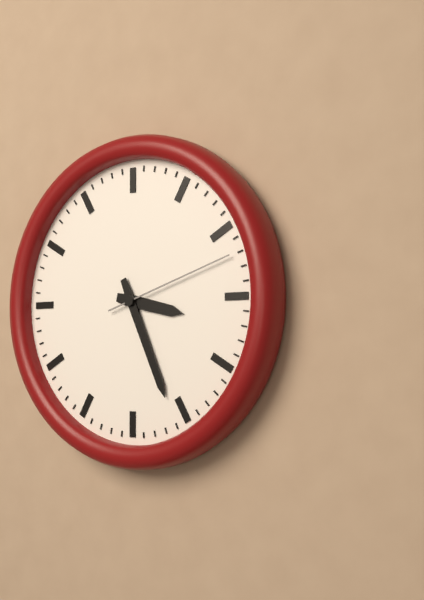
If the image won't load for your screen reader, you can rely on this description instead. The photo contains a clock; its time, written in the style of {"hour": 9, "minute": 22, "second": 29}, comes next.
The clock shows {"hour": 3, "minute": 26, "second": 12}
